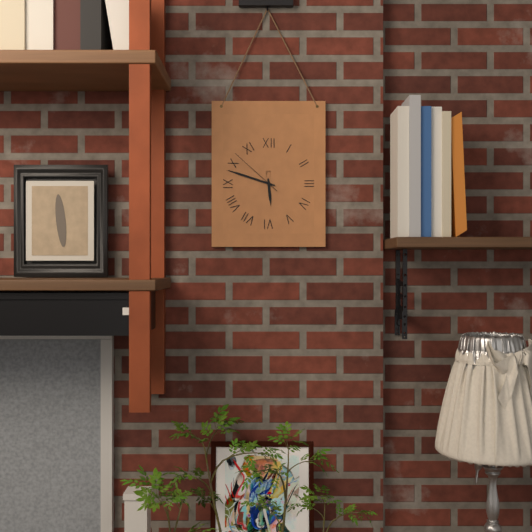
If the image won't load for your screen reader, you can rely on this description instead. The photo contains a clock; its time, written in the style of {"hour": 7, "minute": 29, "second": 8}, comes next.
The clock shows {"hour": 5, "minute": 48, "second": 52}
